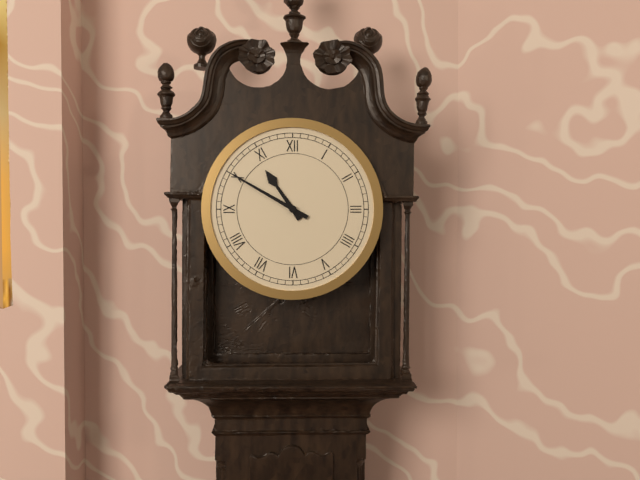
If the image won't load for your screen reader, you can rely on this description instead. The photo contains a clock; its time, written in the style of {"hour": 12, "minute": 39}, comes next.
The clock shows {"hour": 10, "minute": 50}
